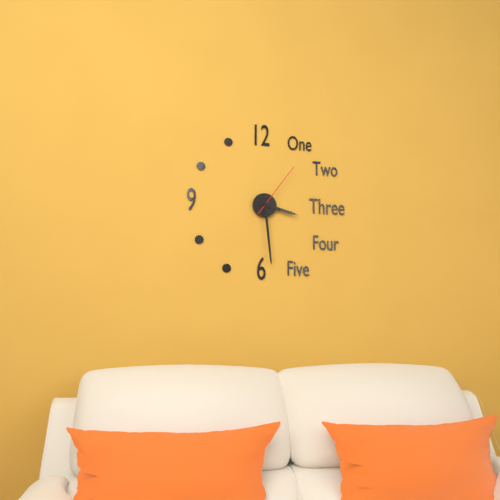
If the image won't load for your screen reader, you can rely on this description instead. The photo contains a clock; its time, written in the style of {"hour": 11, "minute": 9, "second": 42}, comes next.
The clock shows {"hour": 3, "minute": 29, "second": 6}
